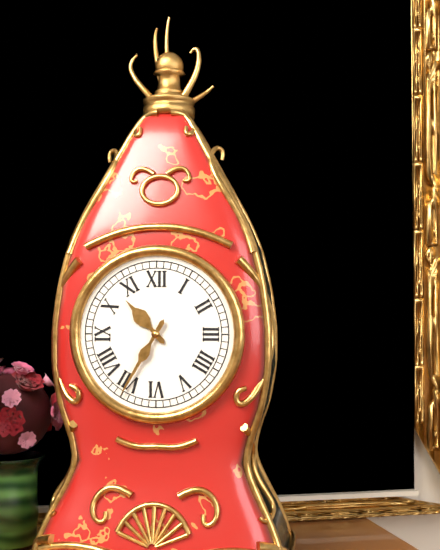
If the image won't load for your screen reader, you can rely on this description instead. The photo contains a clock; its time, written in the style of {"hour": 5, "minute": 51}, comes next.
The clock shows {"hour": 10, "minute": 35}
